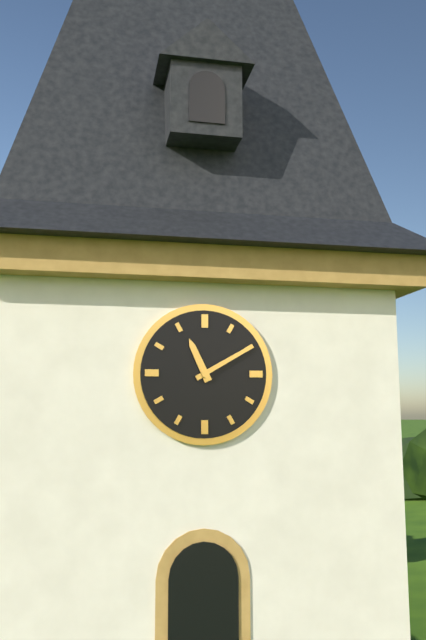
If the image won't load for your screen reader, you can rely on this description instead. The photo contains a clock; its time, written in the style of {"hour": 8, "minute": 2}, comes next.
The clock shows {"hour": 11, "minute": 10}
